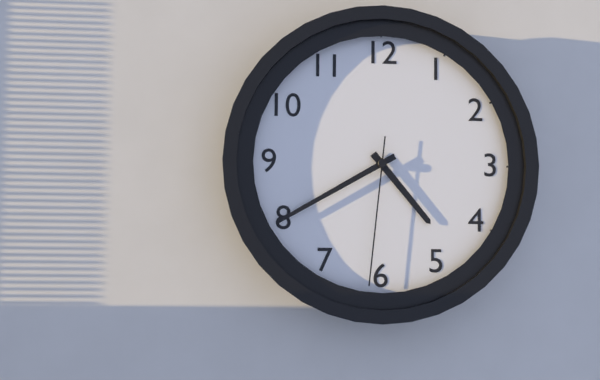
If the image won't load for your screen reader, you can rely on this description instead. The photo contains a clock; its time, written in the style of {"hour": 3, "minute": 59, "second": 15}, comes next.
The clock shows {"hour": 4, "minute": 40, "second": 31}
